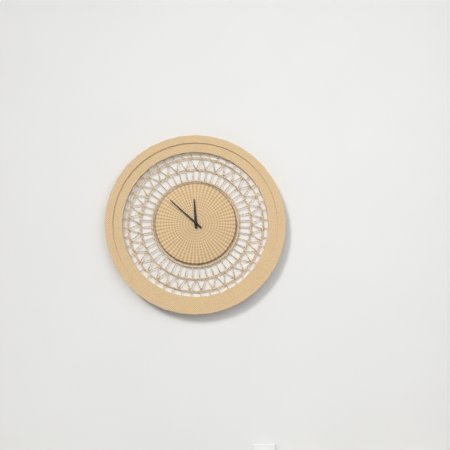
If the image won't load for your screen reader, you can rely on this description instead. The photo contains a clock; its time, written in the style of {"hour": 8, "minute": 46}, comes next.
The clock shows {"hour": 11, "minute": 52}
